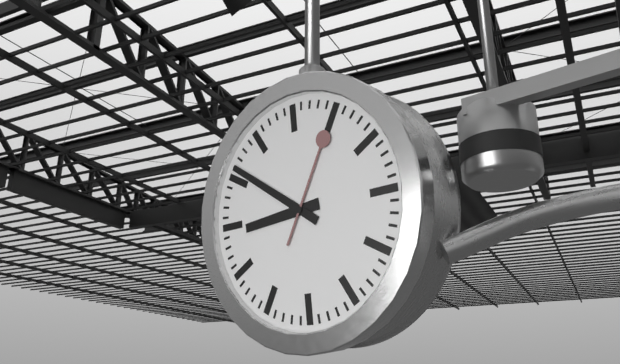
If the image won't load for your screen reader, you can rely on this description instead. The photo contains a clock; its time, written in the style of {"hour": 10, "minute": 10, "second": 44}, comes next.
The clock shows {"hour": 8, "minute": 51, "second": 5}
